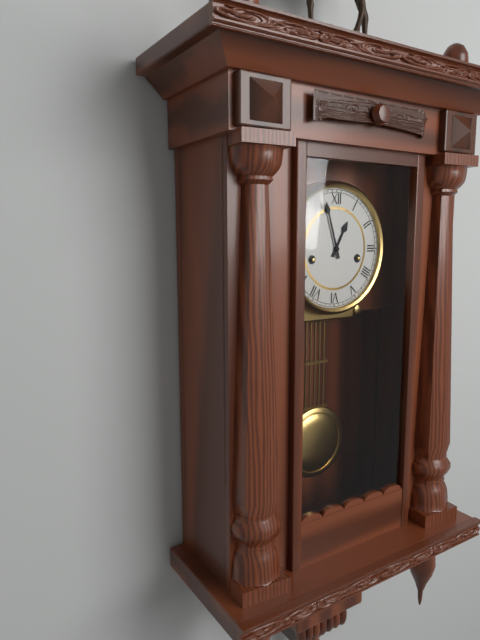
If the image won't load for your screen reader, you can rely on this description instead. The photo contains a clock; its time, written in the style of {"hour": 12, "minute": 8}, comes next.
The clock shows {"hour": 12, "minute": 57}
